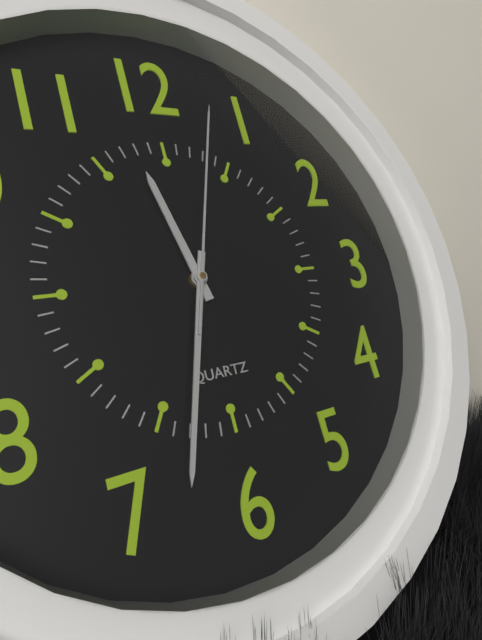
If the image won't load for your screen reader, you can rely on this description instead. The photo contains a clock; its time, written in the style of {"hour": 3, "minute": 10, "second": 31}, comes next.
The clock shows {"hour": 11, "minute": 33, "second": 3}
